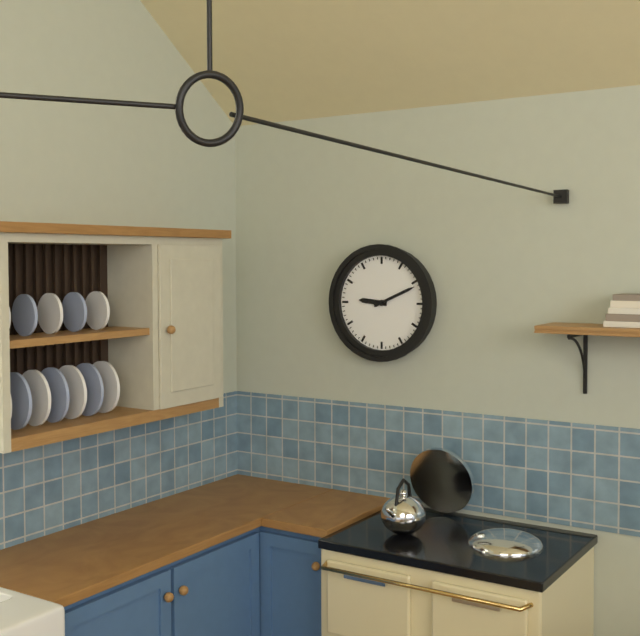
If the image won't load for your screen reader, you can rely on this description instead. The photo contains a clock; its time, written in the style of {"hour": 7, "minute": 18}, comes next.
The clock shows {"hour": 9, "minute": 11}
